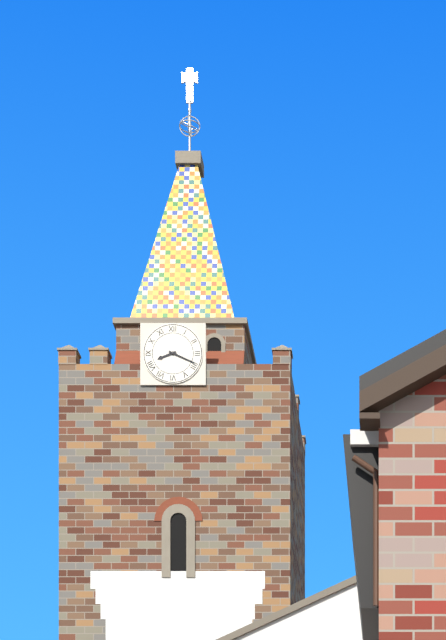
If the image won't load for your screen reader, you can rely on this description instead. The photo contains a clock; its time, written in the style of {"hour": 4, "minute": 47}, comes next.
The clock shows {"hour": 8, "minute": 19}
